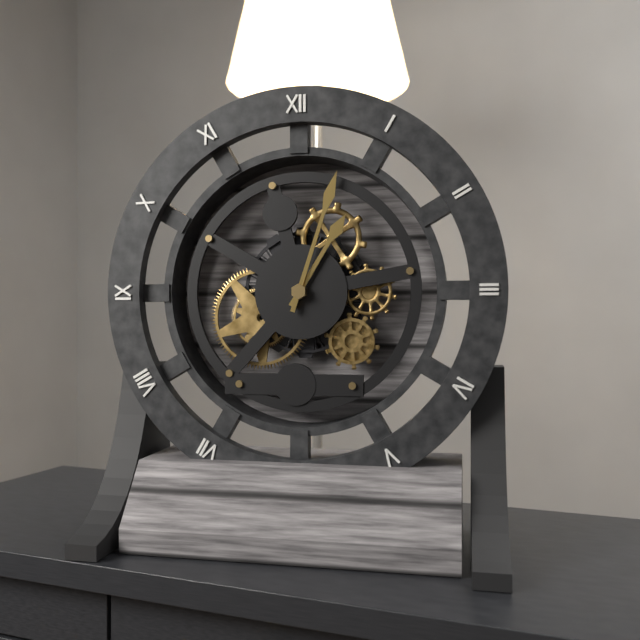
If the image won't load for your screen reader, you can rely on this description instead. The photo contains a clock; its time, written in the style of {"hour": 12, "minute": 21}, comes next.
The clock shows {"hour": 1, "minute": 3}
